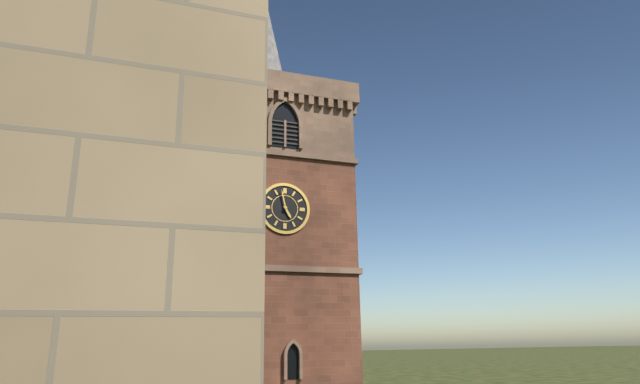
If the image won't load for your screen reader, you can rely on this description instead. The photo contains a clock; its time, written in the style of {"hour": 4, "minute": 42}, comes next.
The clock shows {"hour": 4, "minute": 58}
